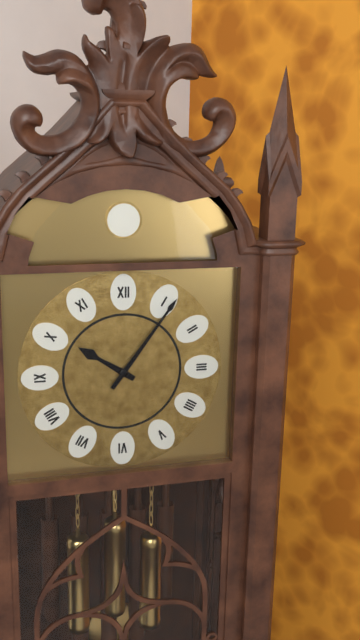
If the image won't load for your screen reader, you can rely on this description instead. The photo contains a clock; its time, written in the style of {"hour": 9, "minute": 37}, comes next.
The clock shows {"hour": 10, "minute": 6}
